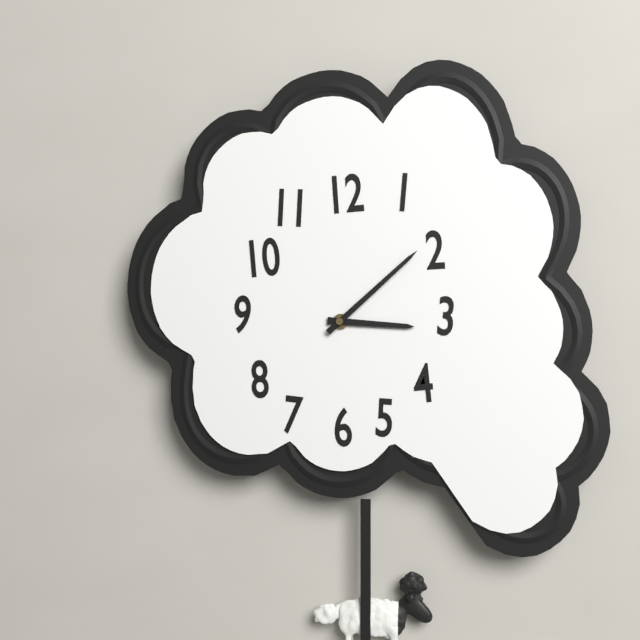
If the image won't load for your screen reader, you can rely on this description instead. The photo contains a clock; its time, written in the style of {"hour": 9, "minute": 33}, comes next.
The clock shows {"hour": 3, "minute": 8}
